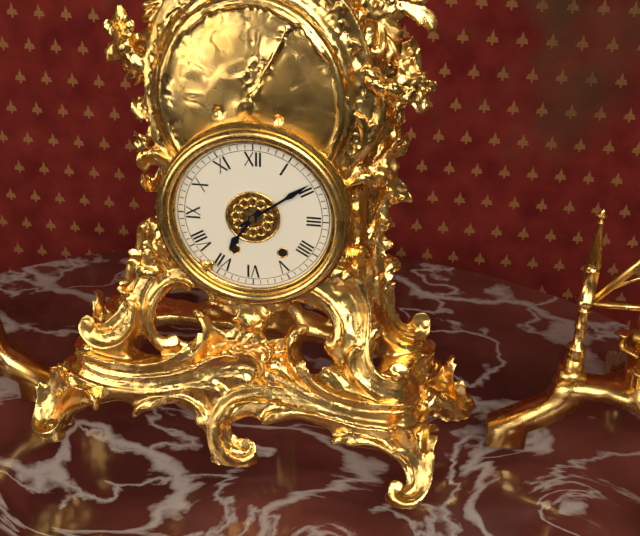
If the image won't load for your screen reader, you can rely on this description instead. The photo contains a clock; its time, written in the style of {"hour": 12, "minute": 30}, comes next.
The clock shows {"hour": 7, "minute": 9}
